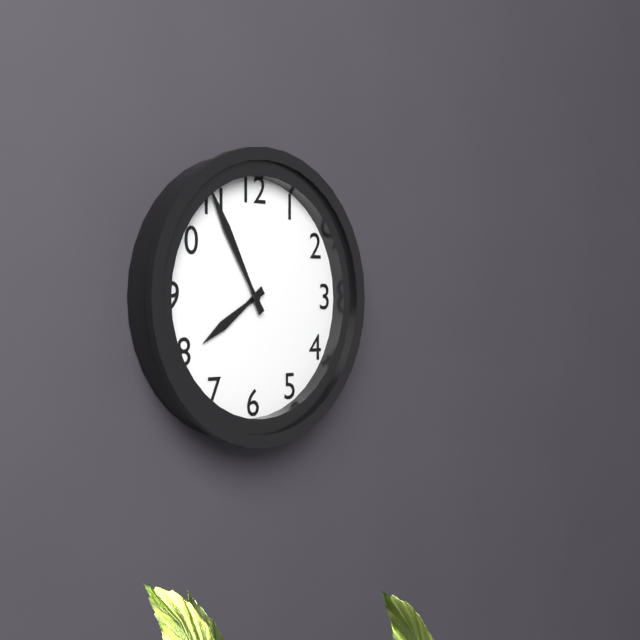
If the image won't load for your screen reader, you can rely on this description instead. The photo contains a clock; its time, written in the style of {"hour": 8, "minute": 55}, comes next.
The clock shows {"hour": 7, "minute": 55}
